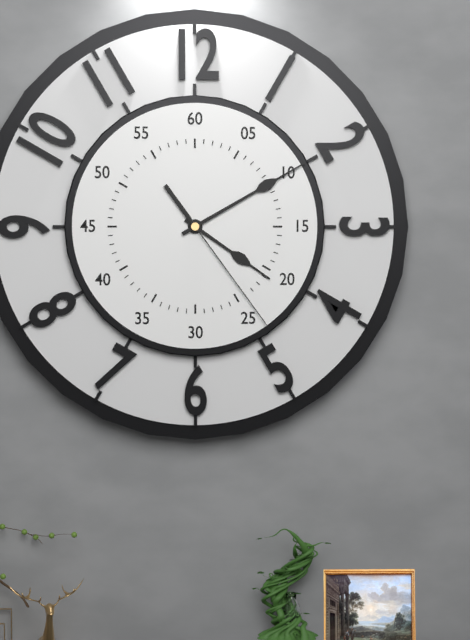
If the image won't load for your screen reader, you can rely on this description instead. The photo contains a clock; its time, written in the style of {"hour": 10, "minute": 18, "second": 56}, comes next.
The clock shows {"hour": 4, "minute": 10, "second": 24}
